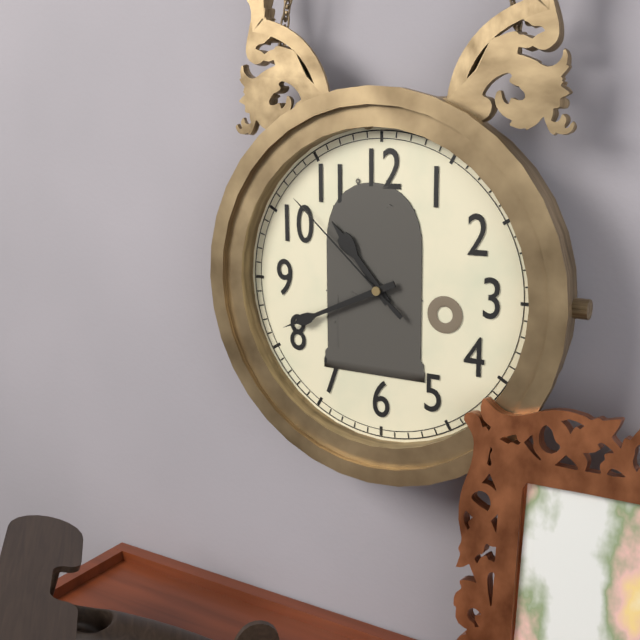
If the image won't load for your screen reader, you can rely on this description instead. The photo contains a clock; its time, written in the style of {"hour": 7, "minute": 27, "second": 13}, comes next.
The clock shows {"hour": 10, "minute": 41, "second": 52}
